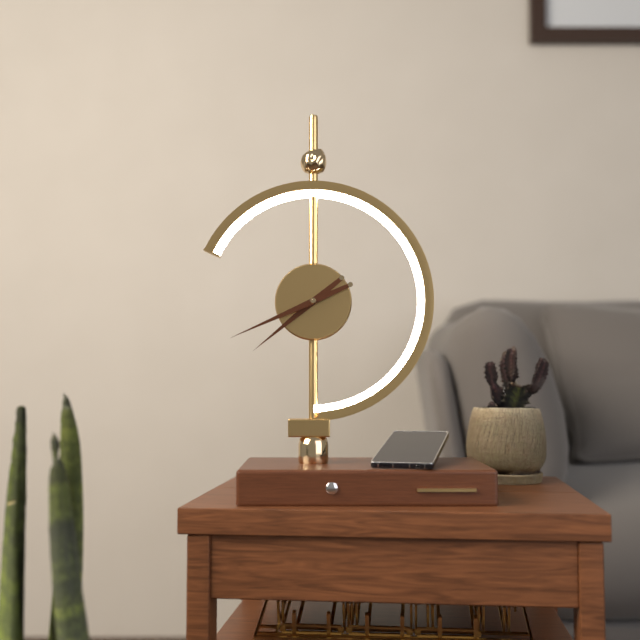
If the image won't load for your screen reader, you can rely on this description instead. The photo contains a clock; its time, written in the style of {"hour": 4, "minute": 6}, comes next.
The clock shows {"hour": 7, "minute": 41}
